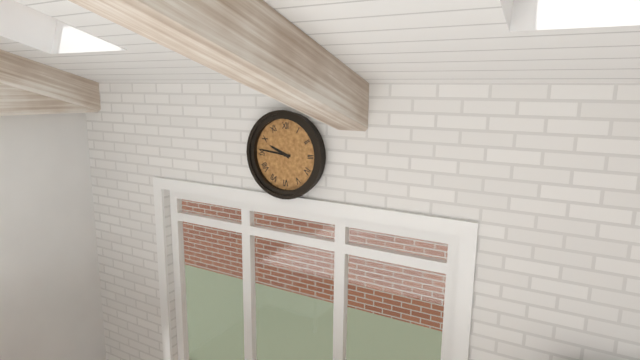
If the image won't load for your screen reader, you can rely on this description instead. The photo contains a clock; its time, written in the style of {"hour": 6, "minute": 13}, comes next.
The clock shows {"hour": 9, "minute": 46}
